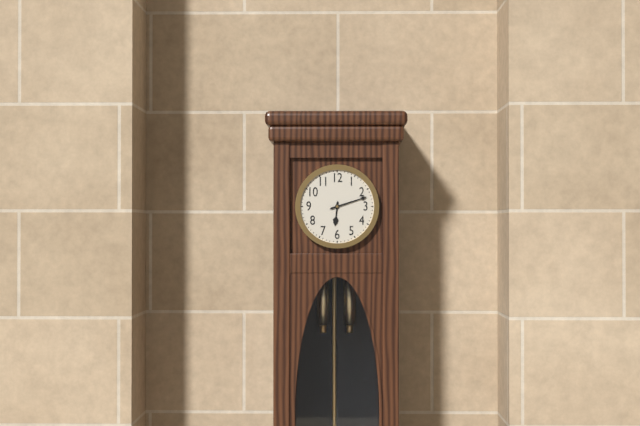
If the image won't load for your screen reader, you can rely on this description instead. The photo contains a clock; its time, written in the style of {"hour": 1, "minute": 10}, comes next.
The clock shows {"hour": 6, "minute": 12}
